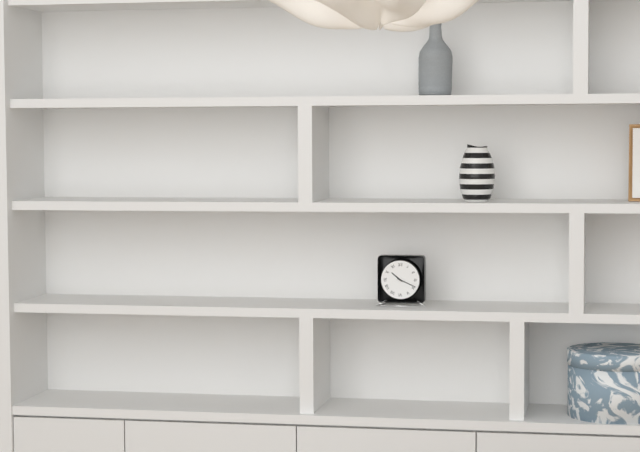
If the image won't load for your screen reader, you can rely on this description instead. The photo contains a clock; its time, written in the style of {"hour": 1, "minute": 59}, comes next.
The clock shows {"hour": 10, "minute": 19}
